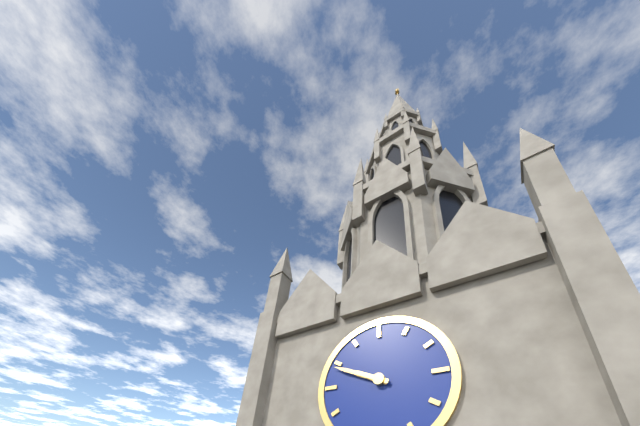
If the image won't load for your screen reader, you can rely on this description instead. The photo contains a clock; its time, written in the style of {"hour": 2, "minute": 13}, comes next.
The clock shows {"hour": 9, "minute": 49}
